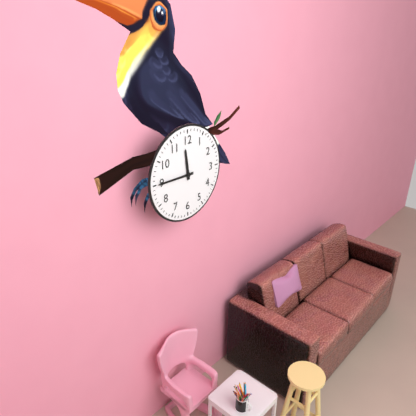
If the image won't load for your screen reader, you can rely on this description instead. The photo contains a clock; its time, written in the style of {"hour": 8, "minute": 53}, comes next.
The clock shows {"hour": 11, "minute": 45}
